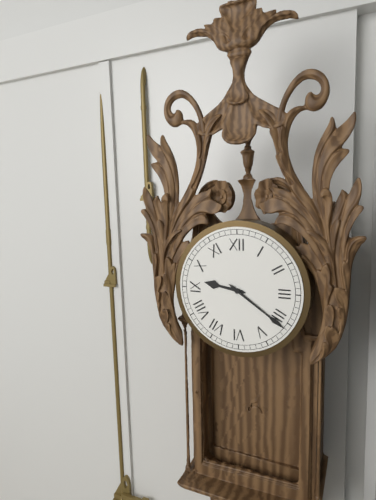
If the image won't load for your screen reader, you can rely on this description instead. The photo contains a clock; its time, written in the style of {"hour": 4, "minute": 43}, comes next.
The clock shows {"hour": 9, "minute": 21}
